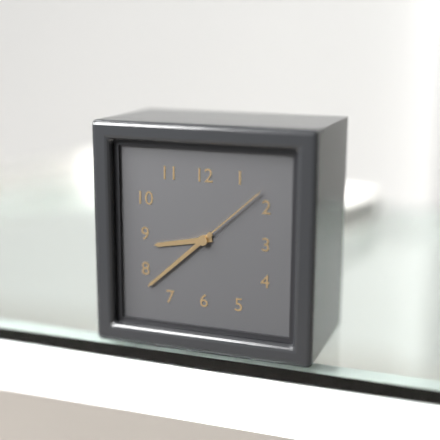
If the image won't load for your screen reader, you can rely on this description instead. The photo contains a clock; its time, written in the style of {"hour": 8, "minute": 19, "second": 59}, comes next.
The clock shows {"hour": 8, "minute": 38, "second": 8}
